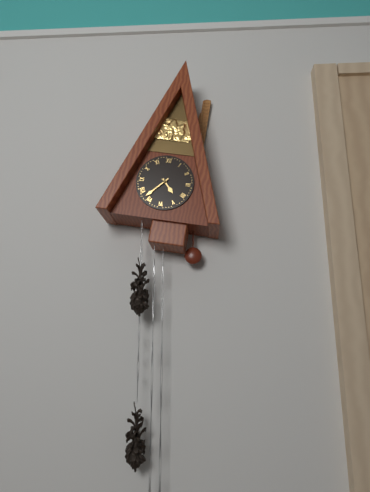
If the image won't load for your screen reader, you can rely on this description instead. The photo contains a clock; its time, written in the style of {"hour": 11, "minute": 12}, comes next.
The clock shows {"hour": 4, "minute": 37}
